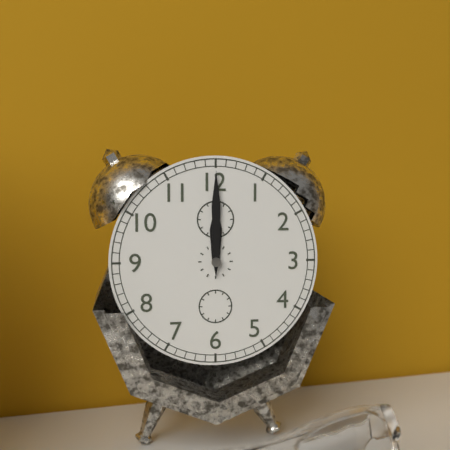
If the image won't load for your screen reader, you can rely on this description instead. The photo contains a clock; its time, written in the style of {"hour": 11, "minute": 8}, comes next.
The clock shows {"hour": 12, "minute": 0}
